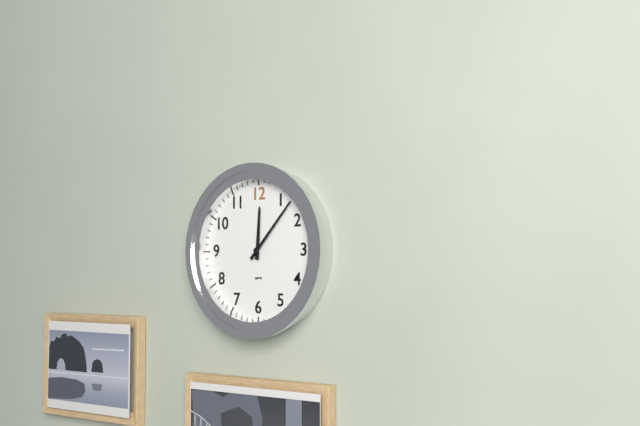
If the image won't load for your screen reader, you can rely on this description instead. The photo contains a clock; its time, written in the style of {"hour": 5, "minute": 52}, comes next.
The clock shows {"hour": 12, "minute": 7}
